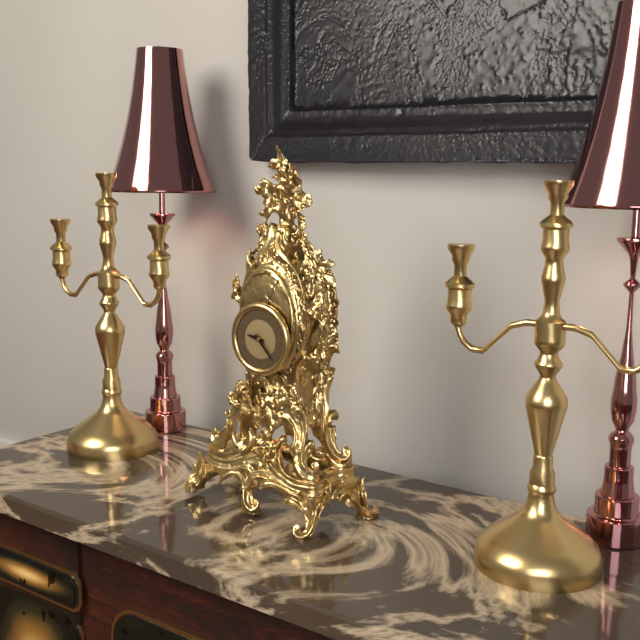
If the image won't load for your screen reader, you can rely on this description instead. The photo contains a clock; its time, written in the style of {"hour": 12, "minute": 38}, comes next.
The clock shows {"hour": 9, "minute": 23}
